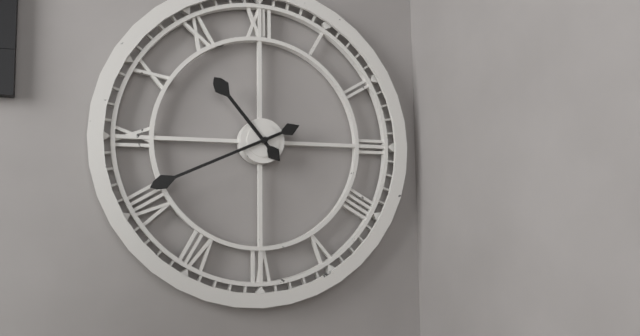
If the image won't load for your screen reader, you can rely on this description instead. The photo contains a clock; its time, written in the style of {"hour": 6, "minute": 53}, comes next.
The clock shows {"hour": 10, "minute": 41}
